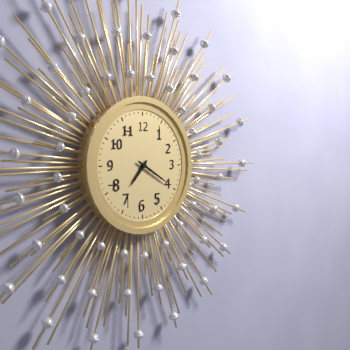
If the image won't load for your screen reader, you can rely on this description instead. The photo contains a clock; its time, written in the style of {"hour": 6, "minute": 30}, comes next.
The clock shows {"hour": 7, "minute": 20}
